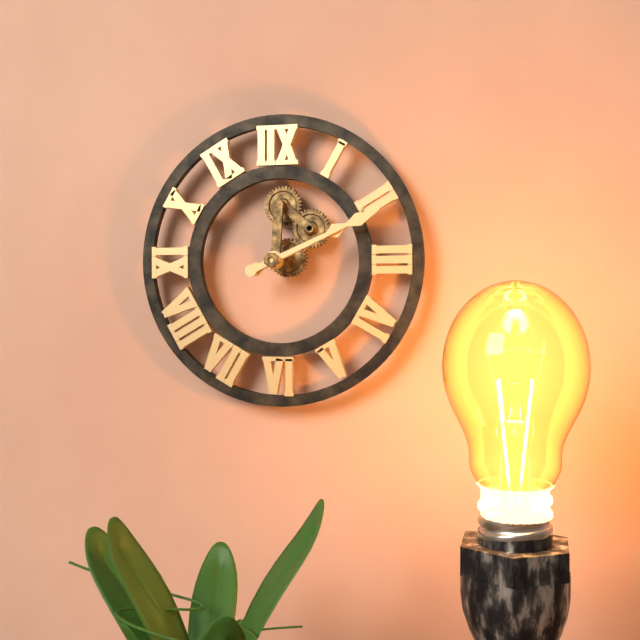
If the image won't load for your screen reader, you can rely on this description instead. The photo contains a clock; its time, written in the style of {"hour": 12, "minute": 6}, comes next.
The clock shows {"hour": 2, "minute": 11}
